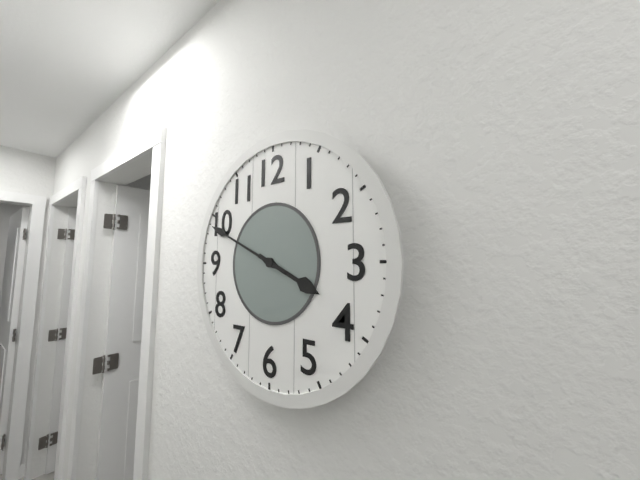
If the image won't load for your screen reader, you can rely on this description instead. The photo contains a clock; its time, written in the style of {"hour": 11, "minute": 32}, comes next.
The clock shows {"hour": 3, "minute": 49}
